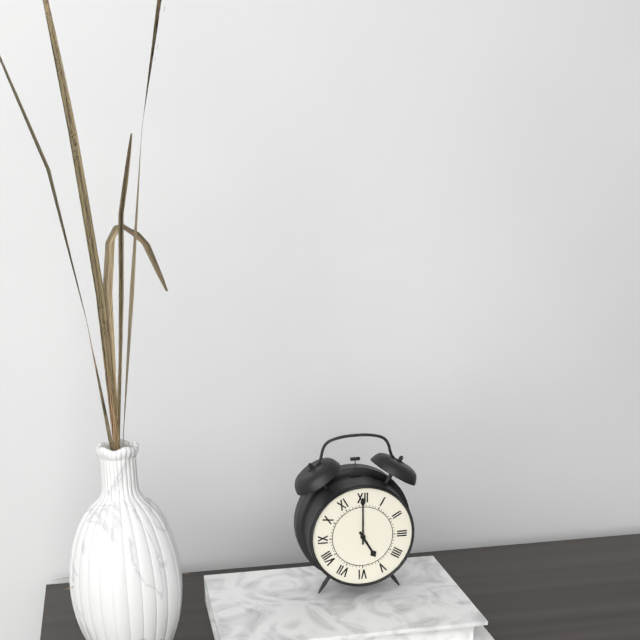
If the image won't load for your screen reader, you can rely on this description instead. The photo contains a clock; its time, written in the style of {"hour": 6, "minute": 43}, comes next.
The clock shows {"hour": 5, "minute": 0}
